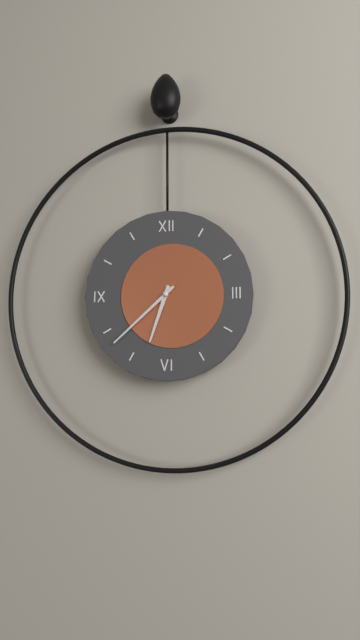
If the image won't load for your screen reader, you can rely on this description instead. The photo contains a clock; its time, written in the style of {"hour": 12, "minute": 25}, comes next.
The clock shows {"hour": 6, "minute": 38}
